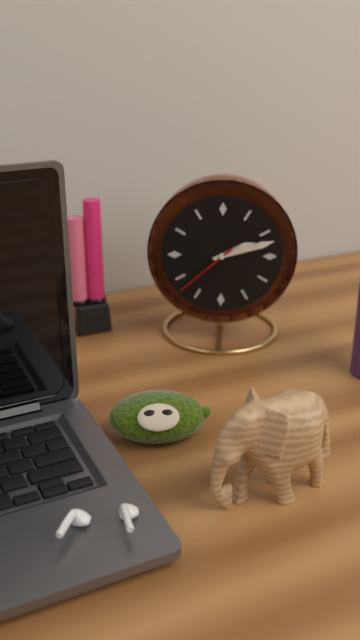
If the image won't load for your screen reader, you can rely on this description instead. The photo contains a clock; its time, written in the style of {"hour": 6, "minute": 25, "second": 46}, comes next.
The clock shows {"hour": 2, "minute": 12, "second": 38}
